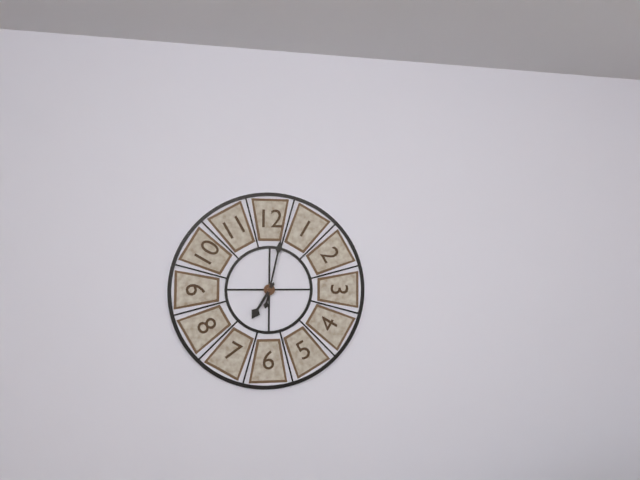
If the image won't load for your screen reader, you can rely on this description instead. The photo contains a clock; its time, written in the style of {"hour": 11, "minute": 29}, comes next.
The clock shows {"hour": 7, "minute": 2}
